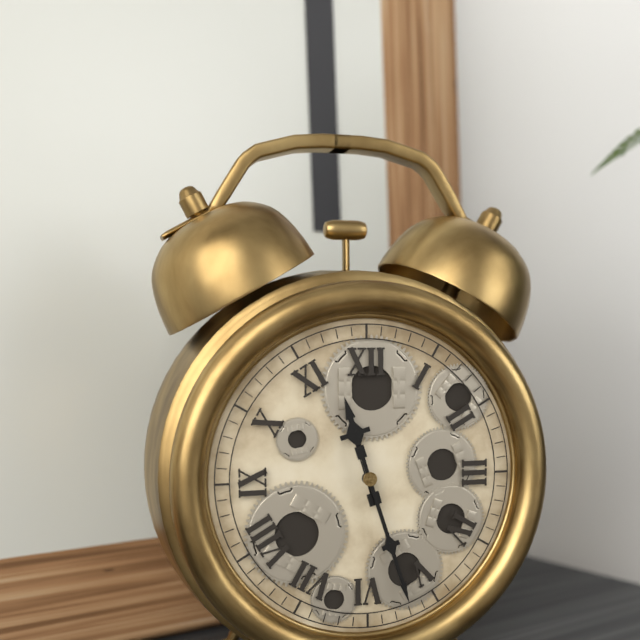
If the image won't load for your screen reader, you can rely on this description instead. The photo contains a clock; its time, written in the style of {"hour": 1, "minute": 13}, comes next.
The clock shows {"hour": 11, "minute": 27}
